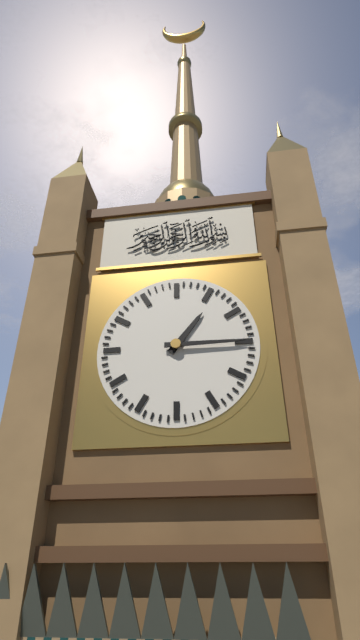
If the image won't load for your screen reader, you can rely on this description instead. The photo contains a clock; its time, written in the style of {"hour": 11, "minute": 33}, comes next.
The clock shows {"hour": 1, "minute": 15}
